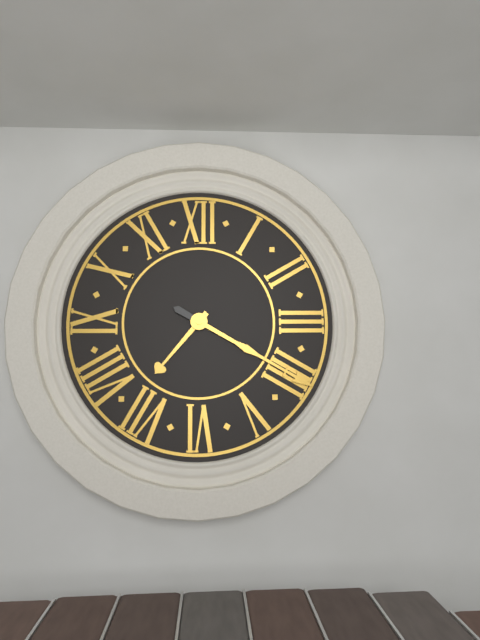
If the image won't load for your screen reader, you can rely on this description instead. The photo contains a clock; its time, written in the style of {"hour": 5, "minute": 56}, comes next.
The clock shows {"hour": 7, "minute": 20}
